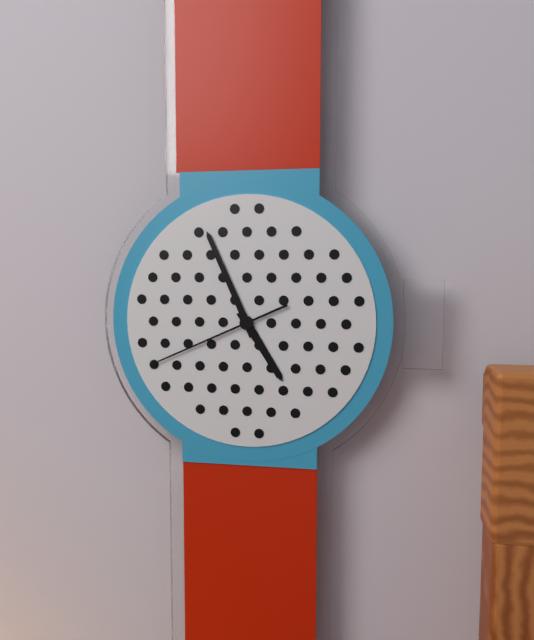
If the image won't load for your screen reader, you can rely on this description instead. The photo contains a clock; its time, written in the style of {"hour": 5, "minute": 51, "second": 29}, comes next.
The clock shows {"hour": 4, "minute": 56, "second": 41}
